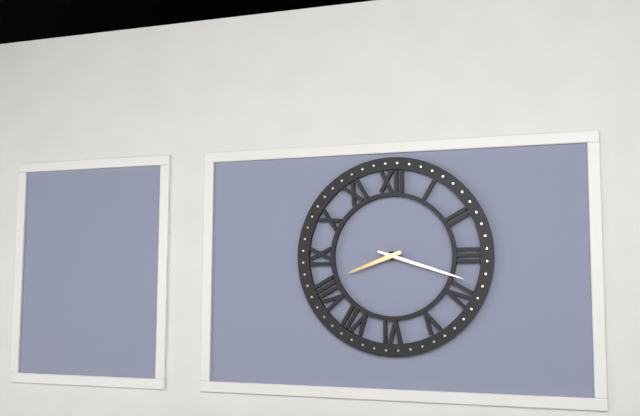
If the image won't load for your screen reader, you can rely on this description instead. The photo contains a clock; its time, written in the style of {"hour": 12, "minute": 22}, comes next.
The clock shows {"hour": 8, "minute": 18}
